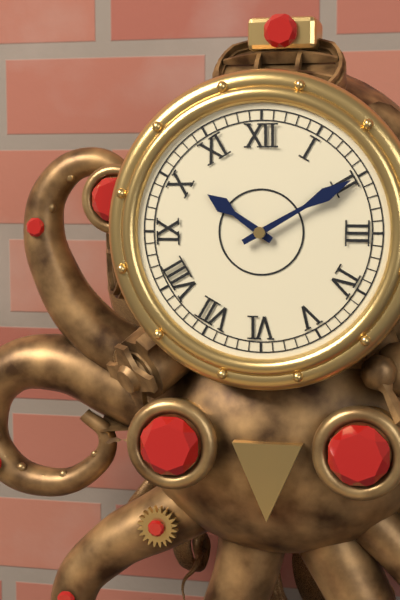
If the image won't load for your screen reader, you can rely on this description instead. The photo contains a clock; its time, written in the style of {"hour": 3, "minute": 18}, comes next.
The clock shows {"hour": 10, "minute": 10}
